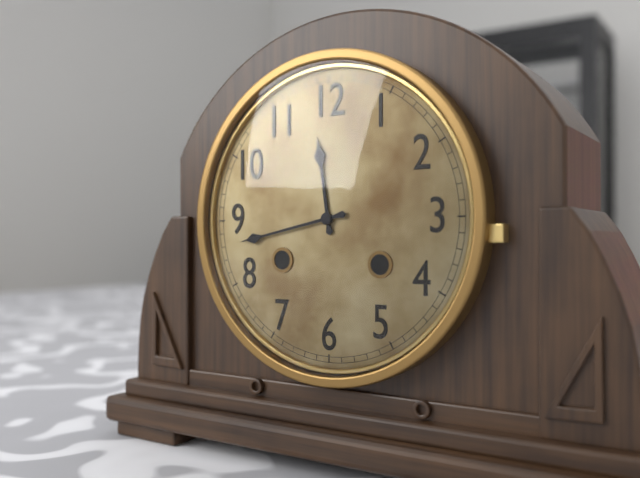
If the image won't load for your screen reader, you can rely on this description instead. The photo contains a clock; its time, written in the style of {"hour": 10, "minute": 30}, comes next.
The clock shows {"hour": 11, "minute": 43}
